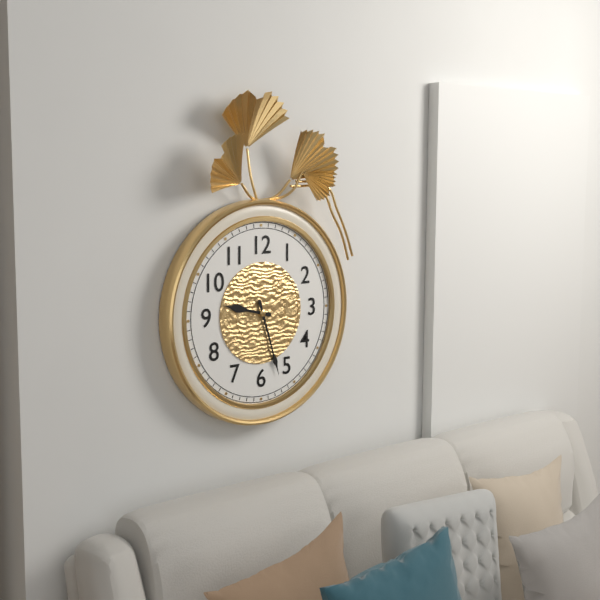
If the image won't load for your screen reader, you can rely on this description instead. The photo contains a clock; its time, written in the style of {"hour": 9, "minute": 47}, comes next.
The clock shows {"hour": 9, "minute": 27}
